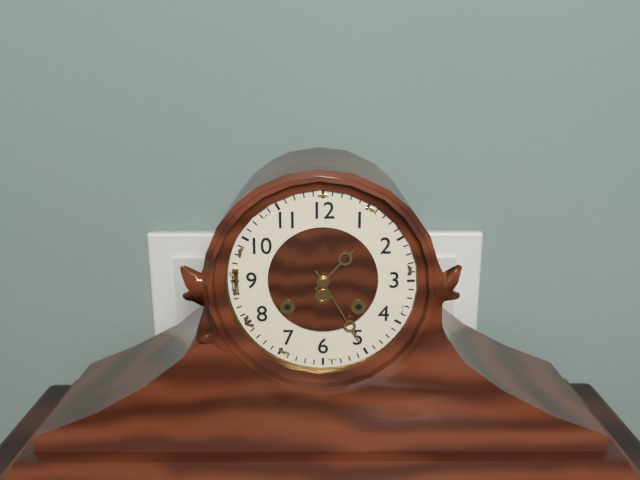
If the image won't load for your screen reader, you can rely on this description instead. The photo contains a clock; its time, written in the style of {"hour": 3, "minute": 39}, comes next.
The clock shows {"hour": 1, "minute": 25}
